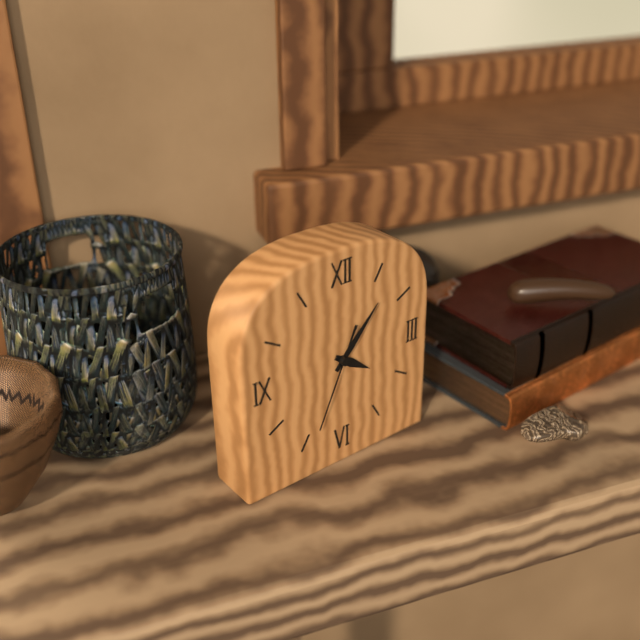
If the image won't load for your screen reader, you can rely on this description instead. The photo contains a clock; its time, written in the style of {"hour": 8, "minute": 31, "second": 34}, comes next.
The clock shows {"hour": 4, "minute": 7, "second": 34}
